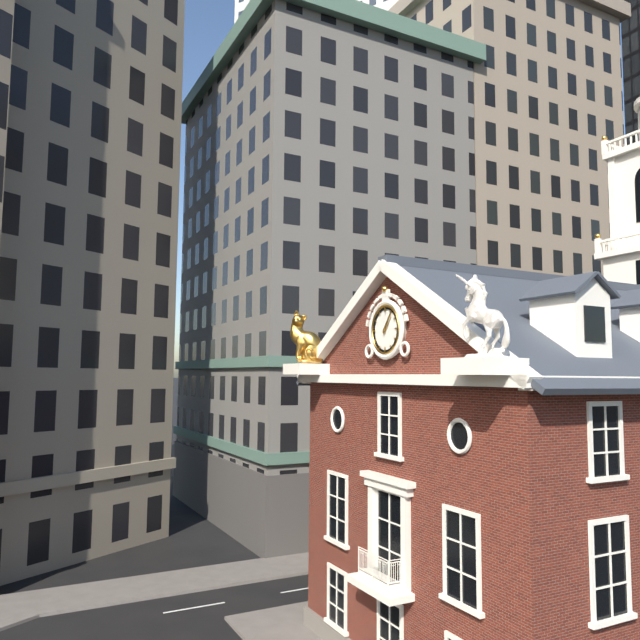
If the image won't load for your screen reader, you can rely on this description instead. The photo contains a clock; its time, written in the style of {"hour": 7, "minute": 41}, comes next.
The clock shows {"hour": 1, "minute": 6}
